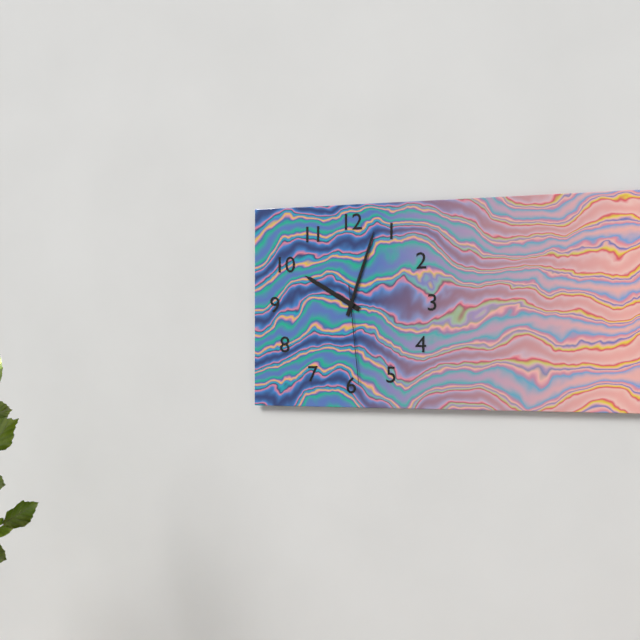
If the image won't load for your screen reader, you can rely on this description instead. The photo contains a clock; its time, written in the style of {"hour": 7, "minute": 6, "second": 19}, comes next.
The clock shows {"hour": 10, "minute": 3, "second": 29}
